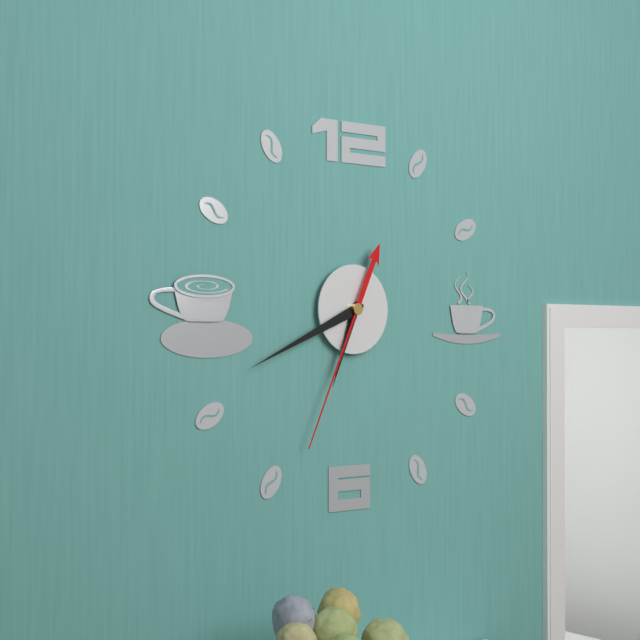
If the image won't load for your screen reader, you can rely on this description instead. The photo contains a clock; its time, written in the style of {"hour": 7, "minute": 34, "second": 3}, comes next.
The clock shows {"hour": 6, "minute": 41, "second": 34}
